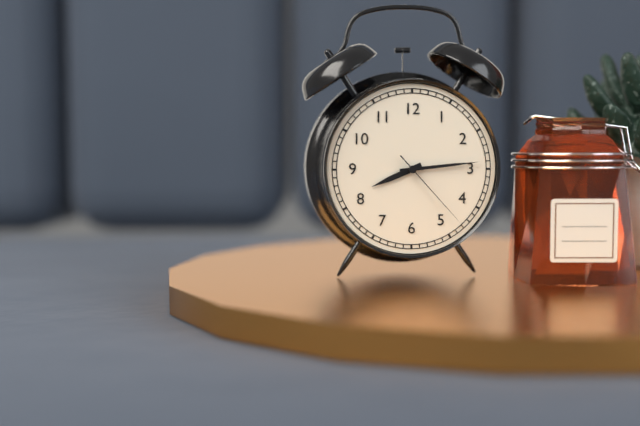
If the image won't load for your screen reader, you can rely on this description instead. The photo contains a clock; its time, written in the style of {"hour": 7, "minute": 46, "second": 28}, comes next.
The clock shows {"hour": 8, "minute": 14, "second": 23}
